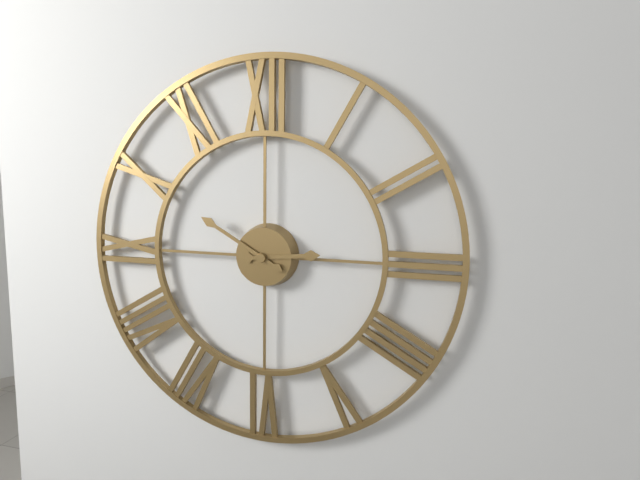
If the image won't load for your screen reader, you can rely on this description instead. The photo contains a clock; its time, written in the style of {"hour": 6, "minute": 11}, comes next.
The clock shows {"hour": 2, "minute": 50}
